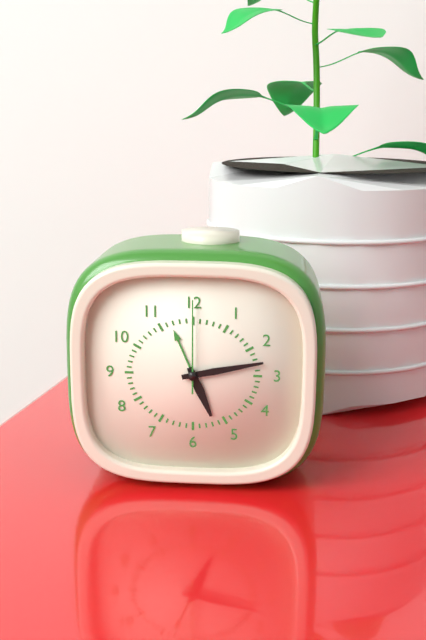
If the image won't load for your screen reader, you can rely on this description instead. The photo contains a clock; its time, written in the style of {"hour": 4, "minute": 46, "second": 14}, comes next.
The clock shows {"hour": 5, "minute": 13, "second": 0}
